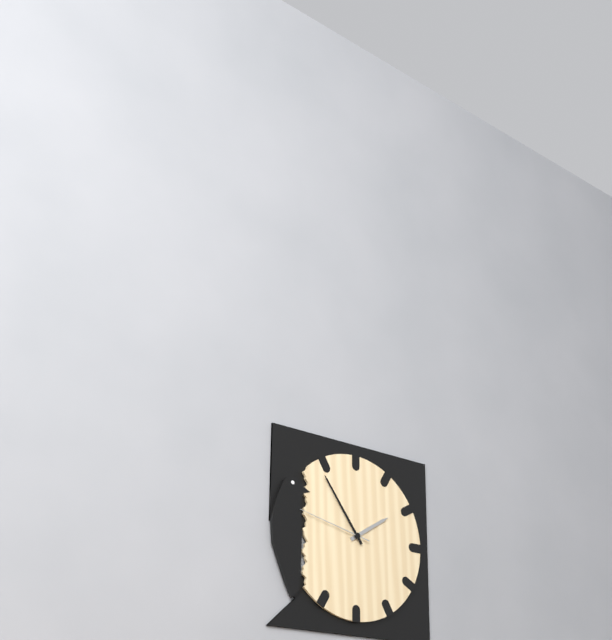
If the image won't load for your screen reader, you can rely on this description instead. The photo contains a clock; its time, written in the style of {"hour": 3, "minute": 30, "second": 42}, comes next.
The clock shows {"hour": 1, "minute": 54, "second": 47}
